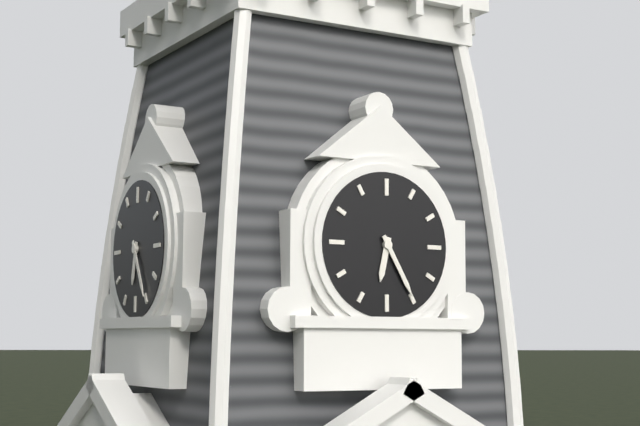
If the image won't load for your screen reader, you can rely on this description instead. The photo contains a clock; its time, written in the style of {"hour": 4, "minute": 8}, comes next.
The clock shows {"hour": 6, "minute": 25}
